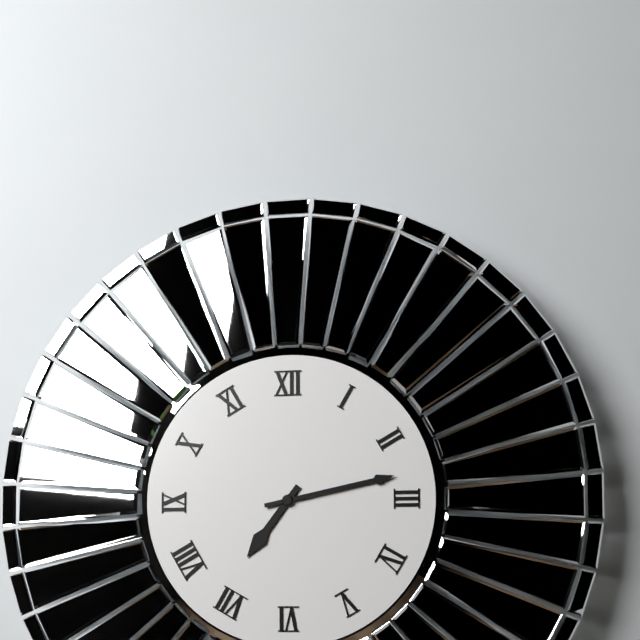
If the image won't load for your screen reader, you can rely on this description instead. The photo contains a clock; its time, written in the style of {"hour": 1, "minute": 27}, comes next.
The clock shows {"hour": 7, "minute": 13}
